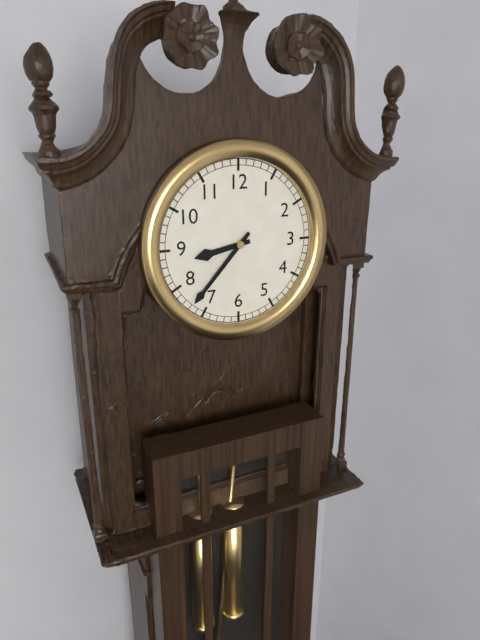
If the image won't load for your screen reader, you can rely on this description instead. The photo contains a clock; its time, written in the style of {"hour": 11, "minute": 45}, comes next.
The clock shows {"hour": 8, "minute": 37}
